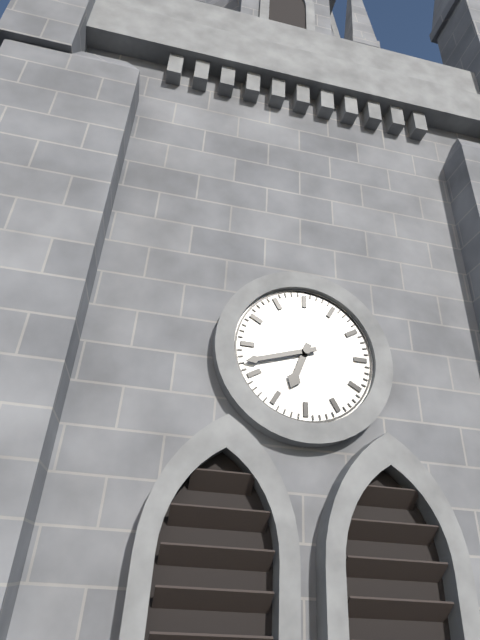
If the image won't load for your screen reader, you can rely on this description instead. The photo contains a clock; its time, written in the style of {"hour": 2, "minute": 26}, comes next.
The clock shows {"hour": 6, "minute": 42}
